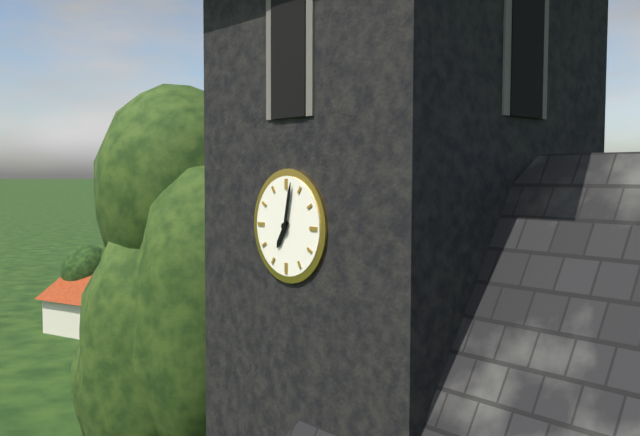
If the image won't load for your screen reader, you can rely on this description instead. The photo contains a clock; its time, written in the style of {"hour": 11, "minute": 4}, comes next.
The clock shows {"hour": 7, "minute": 2}
